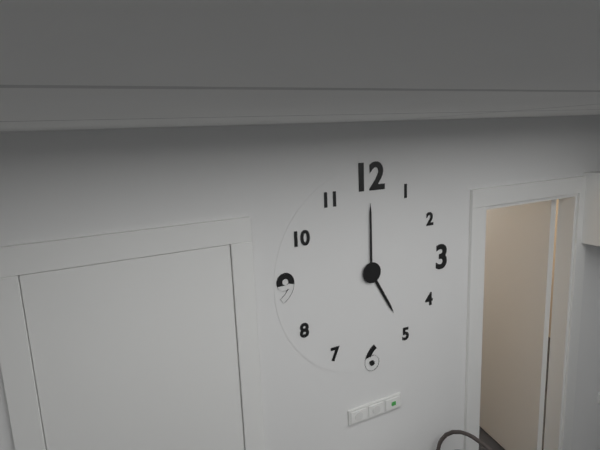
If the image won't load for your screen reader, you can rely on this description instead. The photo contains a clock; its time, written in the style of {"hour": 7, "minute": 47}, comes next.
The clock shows {"hour": 5, "minute": 0}
